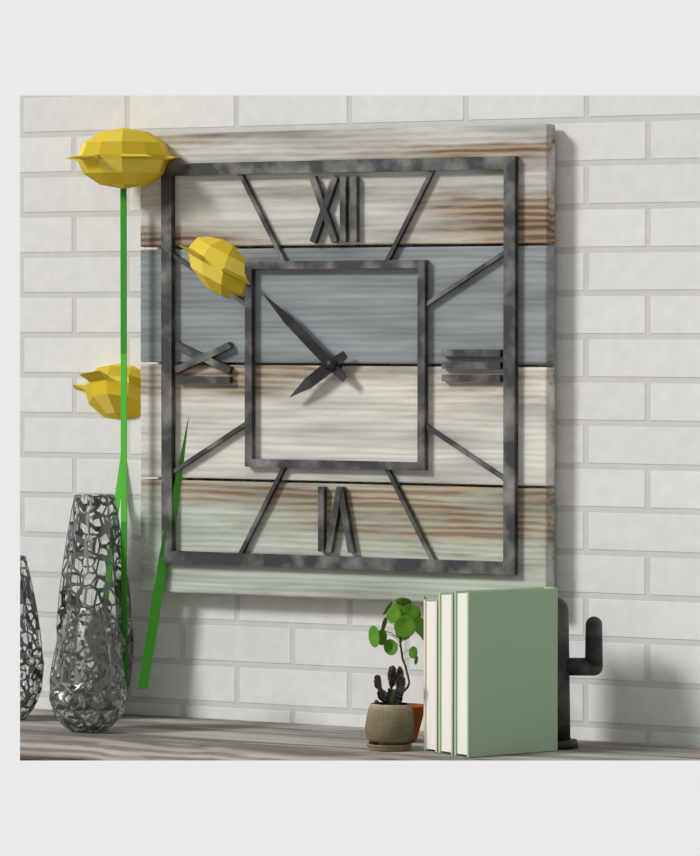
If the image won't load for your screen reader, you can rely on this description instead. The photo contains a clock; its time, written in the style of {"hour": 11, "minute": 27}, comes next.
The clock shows {"hour": 7, "minute": 52}
